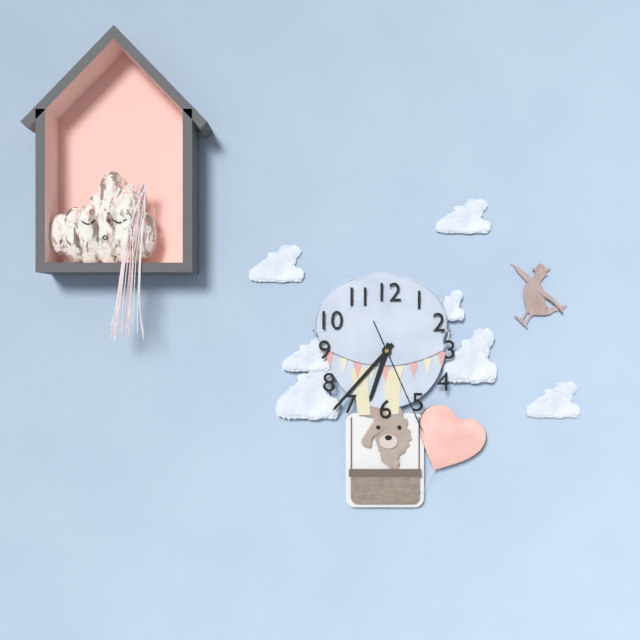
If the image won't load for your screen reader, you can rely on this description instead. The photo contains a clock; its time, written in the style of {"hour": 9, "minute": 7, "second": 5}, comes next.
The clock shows {"hour": 6, "minute": 37, "second": 26}
